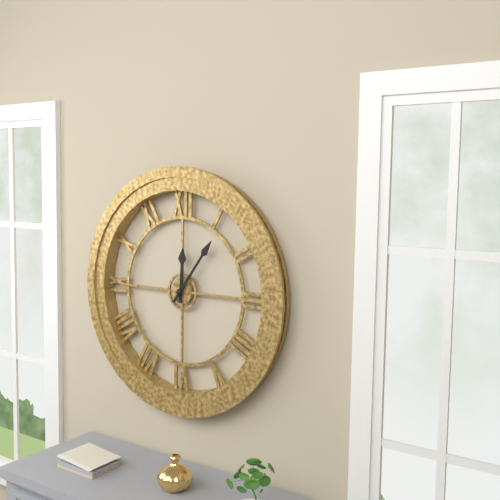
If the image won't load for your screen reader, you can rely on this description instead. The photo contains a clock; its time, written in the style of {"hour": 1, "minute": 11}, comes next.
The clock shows {"hour": 12, "minute": 6}
